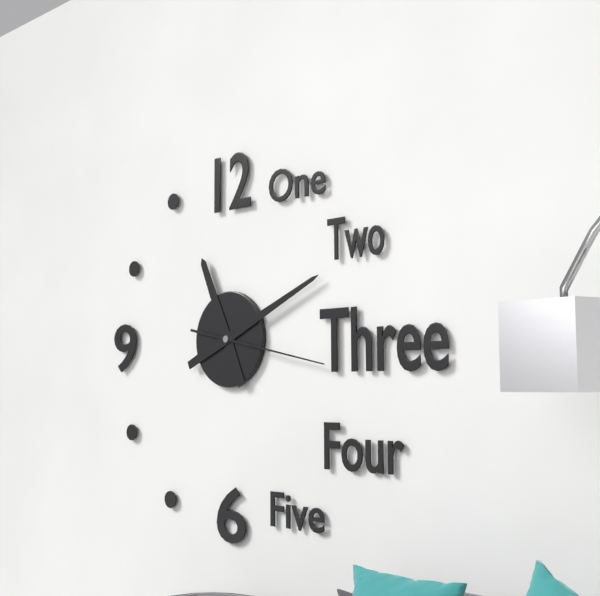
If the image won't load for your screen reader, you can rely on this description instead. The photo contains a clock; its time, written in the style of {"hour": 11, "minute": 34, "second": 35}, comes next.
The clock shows {"hour": 11, "minute": 11, "second": 17}
